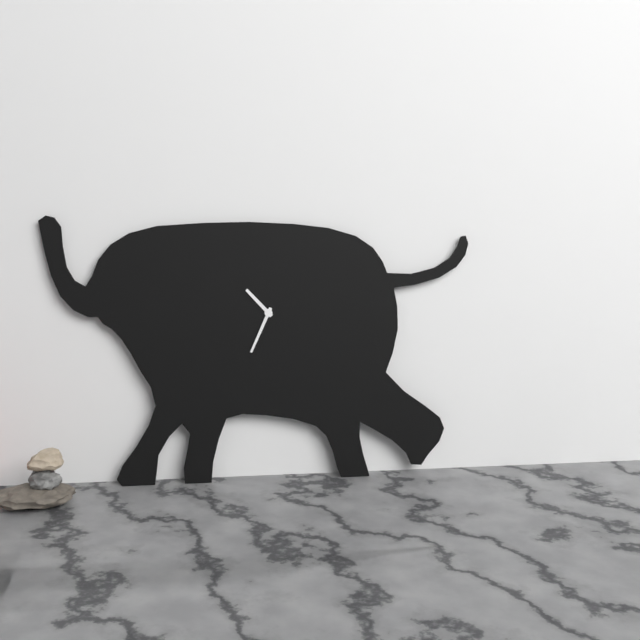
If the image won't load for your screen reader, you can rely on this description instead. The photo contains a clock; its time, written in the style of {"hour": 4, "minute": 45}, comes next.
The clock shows {"hour": 10, "minute": 34}
